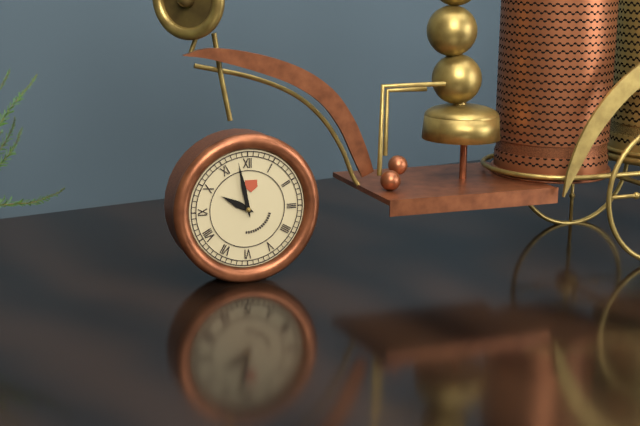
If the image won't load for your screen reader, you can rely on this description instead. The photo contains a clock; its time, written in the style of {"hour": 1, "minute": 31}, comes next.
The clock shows {"hour": 9, "minute": 58}
